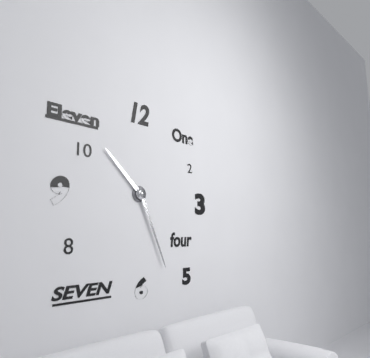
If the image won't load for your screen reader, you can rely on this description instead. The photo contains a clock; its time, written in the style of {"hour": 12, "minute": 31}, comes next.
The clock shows {"hour": 10, "minute": 26}
